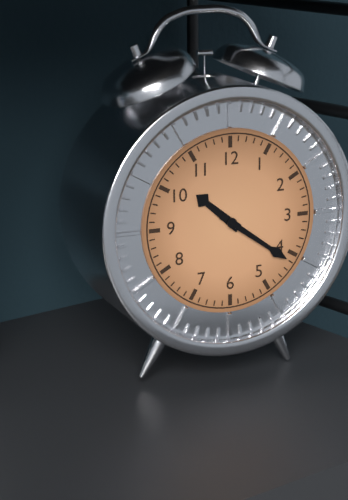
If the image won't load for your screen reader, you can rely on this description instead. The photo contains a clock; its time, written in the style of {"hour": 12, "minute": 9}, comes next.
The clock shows {"hour": 10, "minute": 21}
